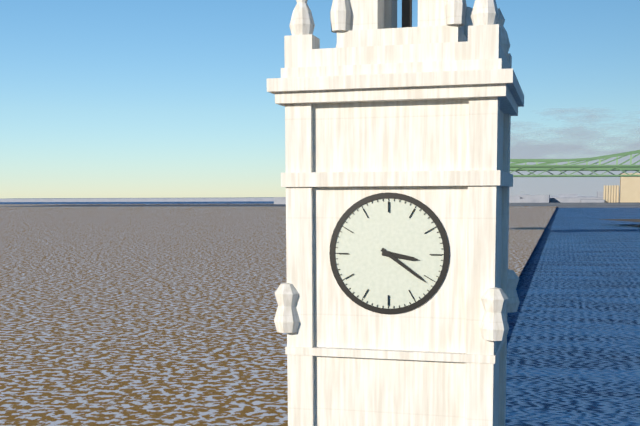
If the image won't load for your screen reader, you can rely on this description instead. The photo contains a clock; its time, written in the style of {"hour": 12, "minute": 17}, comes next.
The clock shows {"hour": 3, "minute": 21}
